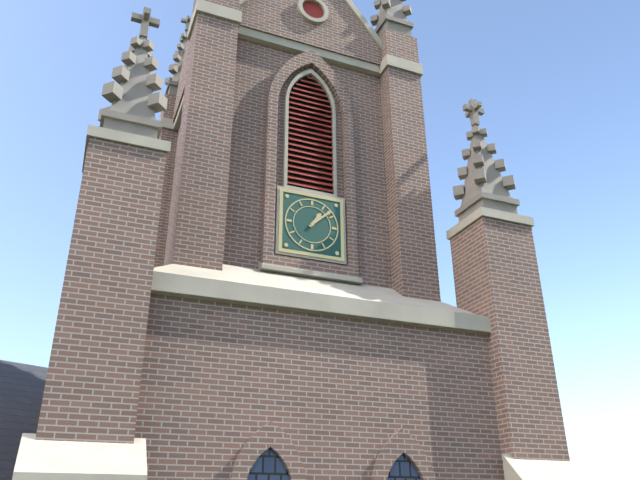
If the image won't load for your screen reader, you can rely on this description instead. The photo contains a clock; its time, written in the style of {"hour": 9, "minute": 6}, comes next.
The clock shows {"hour": 1, "minute": 8}
